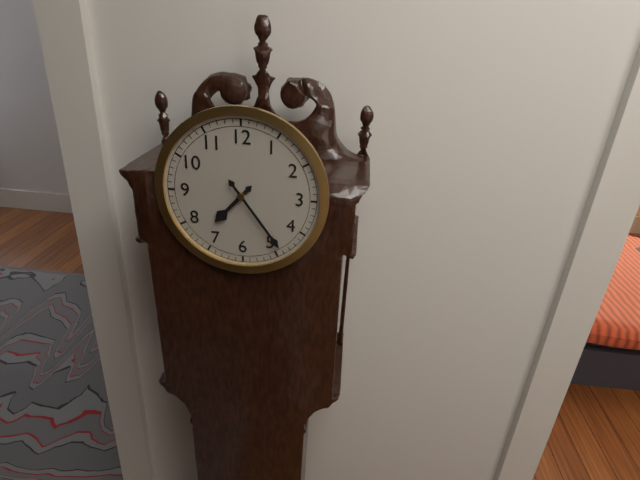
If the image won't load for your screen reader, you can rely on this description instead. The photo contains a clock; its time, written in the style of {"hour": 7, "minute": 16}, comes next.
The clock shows {"hour": 7, "minute": 24}
